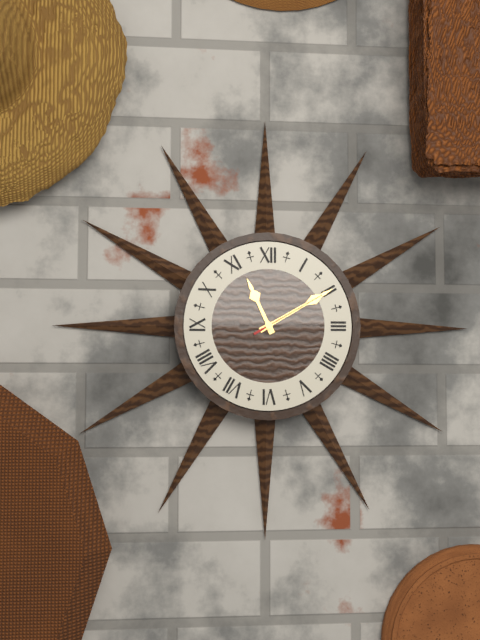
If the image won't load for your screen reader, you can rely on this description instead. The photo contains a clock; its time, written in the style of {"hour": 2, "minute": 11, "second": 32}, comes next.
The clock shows {"hour": 11, "minute": 10, "second": 10}
